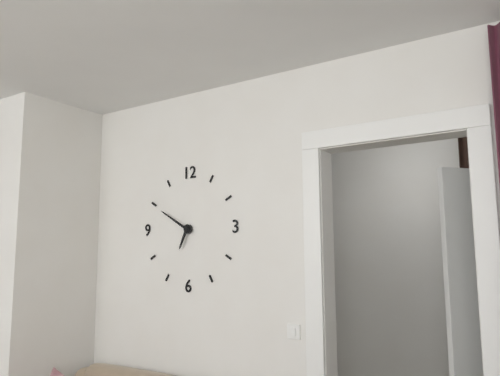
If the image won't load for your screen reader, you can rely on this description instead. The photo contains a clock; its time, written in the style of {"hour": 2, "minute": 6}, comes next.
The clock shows {"hour": 6, "minute": 50}
